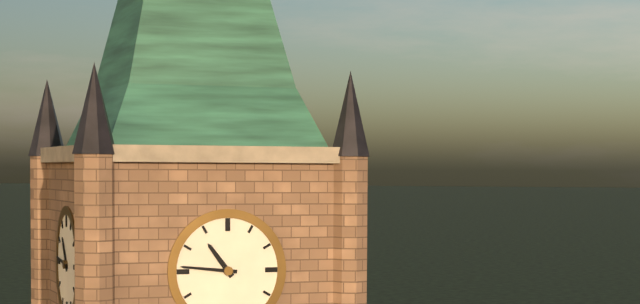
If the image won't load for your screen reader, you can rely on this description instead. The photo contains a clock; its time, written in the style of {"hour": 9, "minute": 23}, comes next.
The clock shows {"hour": 10, "minute": 46}
